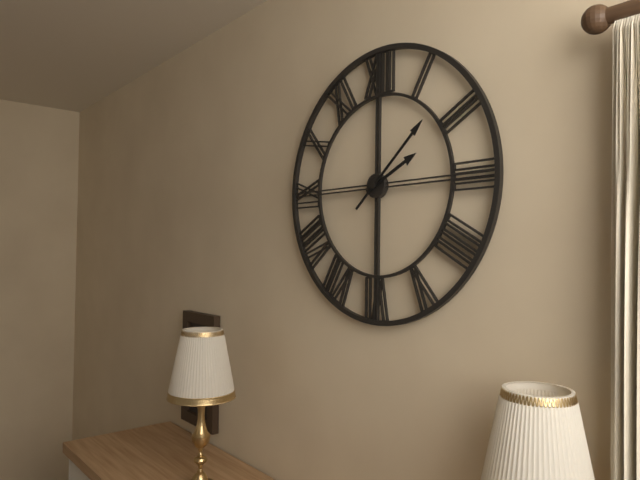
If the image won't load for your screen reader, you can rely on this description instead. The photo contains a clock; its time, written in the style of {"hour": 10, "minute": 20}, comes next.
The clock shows {"hour": 2, "minute": 8}
